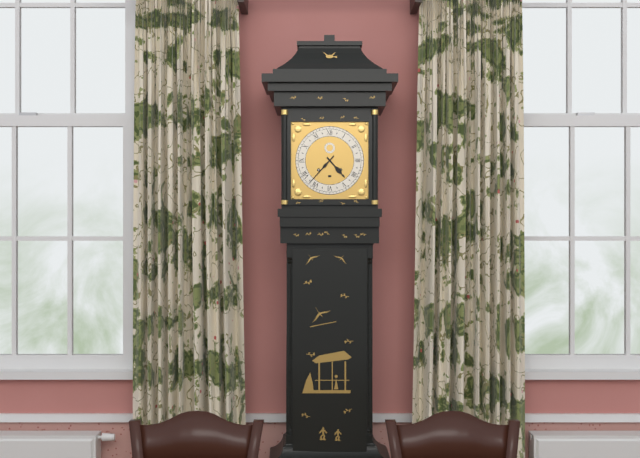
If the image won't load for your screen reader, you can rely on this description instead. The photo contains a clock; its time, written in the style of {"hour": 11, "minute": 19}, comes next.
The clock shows {"hour": 4, "minute": 37}
